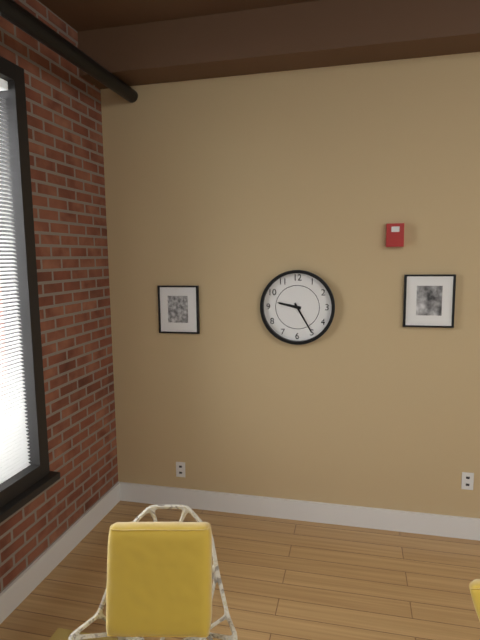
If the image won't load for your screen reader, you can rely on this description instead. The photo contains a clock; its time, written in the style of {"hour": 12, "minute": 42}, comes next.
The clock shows {"hour": 9, "minute": 25}
